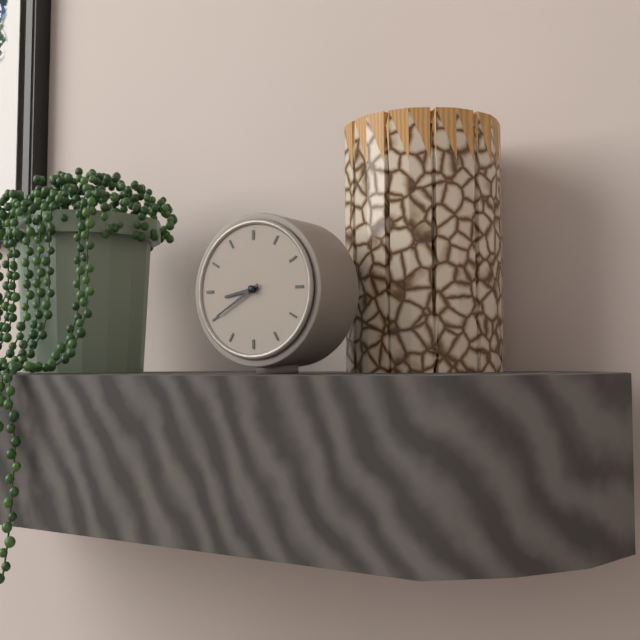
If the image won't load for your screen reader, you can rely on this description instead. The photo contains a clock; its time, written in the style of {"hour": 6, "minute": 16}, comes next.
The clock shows {"hour": 8, "minute": 40}
